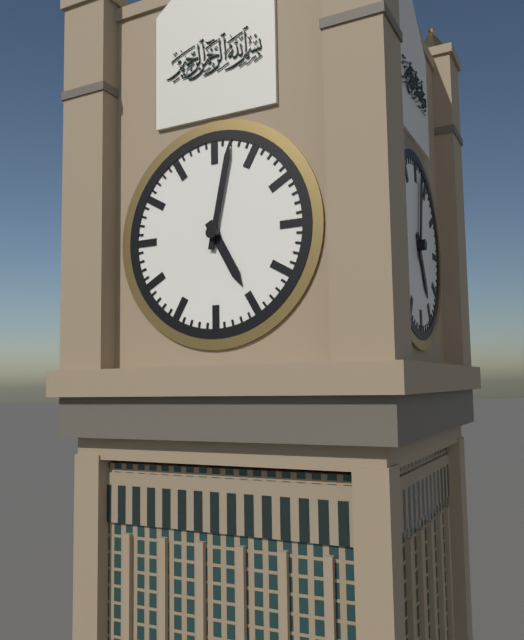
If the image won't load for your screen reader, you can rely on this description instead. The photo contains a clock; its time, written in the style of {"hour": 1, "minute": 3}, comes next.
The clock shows {"hour": 5, "minute": 2}
